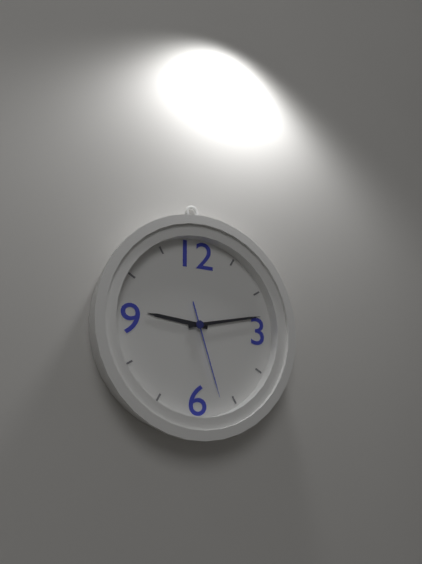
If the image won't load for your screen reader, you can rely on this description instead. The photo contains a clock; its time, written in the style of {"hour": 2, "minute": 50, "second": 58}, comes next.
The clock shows {"hour": 9, "minute": 13, "second": 27}
